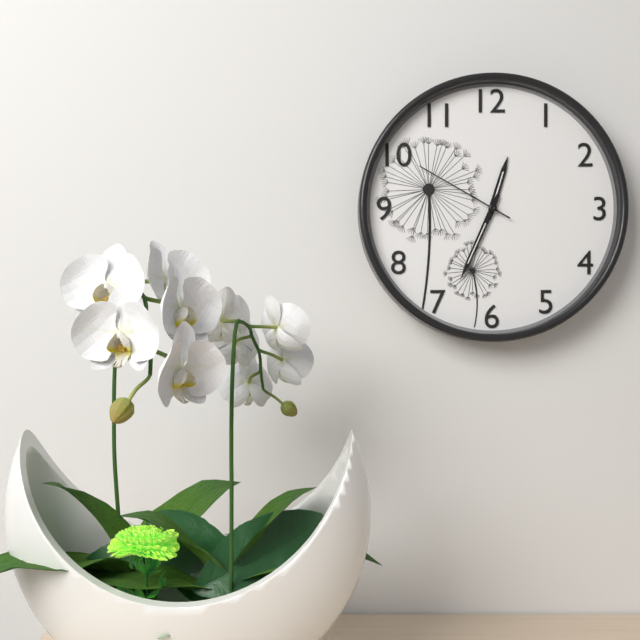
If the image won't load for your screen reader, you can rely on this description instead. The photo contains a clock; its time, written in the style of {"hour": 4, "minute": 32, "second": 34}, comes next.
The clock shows {"hour": 12, "minute": 34, "second": 50}
